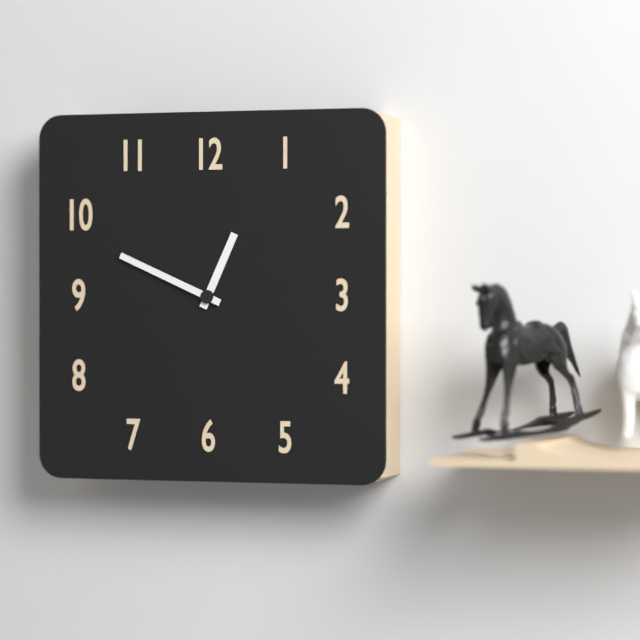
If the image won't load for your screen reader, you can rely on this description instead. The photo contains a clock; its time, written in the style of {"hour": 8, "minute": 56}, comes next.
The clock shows {"hour": 12, "minute": 49}
